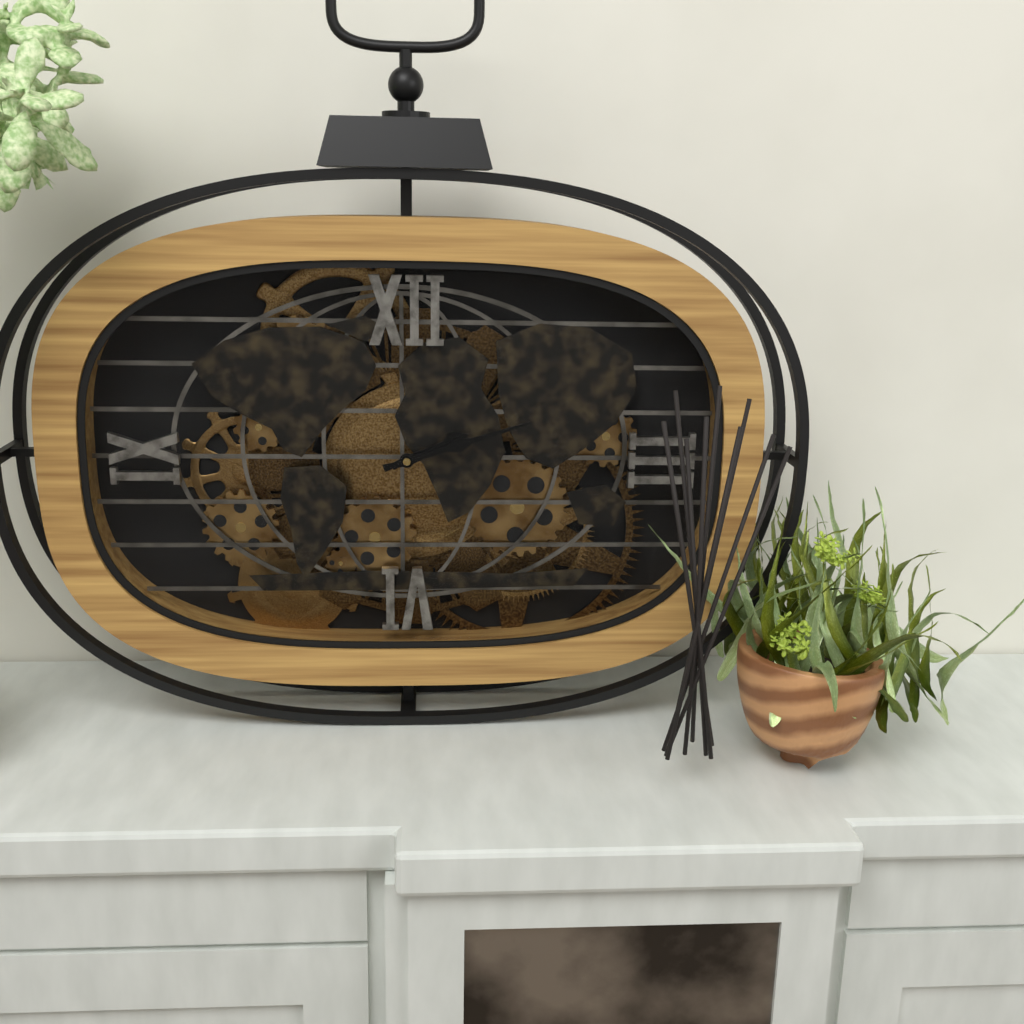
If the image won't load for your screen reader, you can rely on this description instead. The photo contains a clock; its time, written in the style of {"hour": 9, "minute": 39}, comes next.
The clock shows {"hour": 2, "minute": 12}
